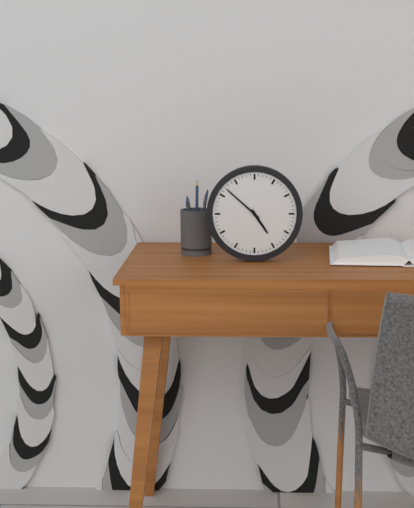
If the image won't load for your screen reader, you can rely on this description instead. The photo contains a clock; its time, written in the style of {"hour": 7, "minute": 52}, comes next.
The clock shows {"hour": 4, "minute": 52}
